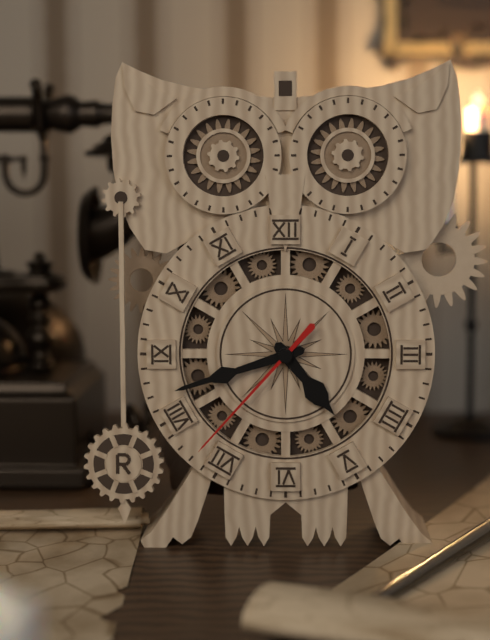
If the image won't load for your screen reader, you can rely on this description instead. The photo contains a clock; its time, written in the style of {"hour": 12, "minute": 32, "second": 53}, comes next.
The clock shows {"hour": 4, "minute": 42, "second": 37}
